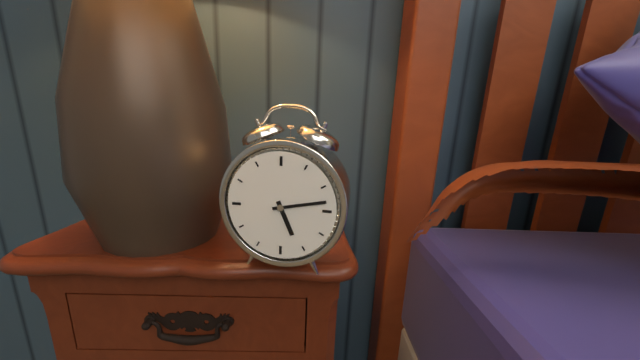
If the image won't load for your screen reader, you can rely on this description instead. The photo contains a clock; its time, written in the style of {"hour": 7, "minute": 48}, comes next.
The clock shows {"hour": 5, "minute": 13}
